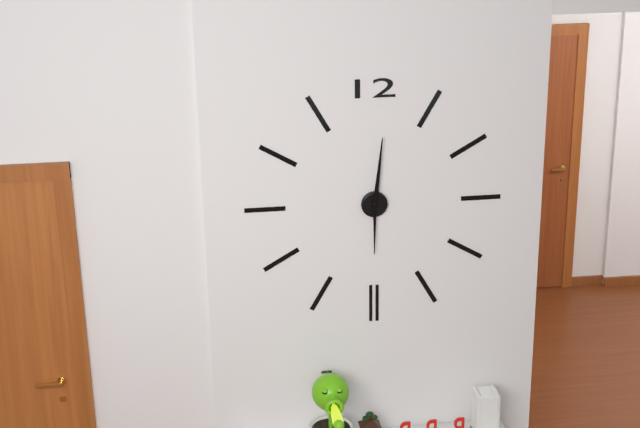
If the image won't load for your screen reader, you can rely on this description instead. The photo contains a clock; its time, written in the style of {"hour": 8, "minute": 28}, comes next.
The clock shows {"hour": 6, "minute": 1}
